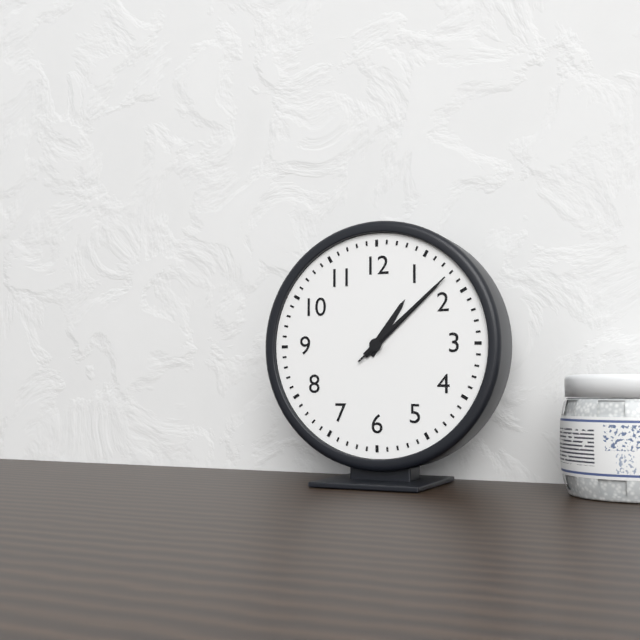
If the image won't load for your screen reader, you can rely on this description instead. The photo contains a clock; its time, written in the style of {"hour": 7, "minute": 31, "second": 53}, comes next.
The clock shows {"hour": 1, "minute": 8, "second": 8}
